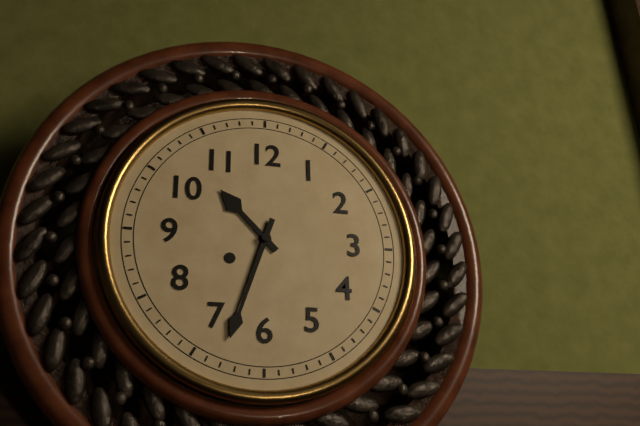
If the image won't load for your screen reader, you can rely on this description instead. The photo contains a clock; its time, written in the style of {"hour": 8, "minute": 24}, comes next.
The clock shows {"hour": 10, "minute": 33}
